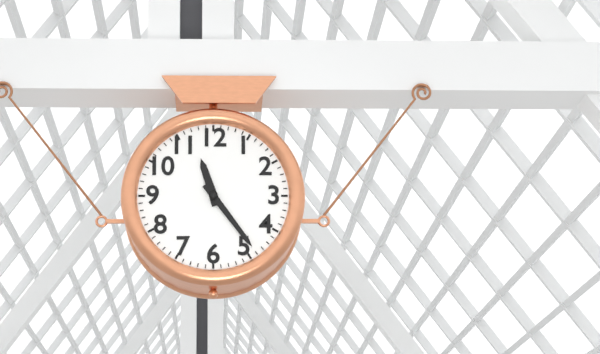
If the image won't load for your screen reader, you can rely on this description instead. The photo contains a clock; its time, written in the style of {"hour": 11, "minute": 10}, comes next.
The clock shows {"hour": 11, "minute": 24}
